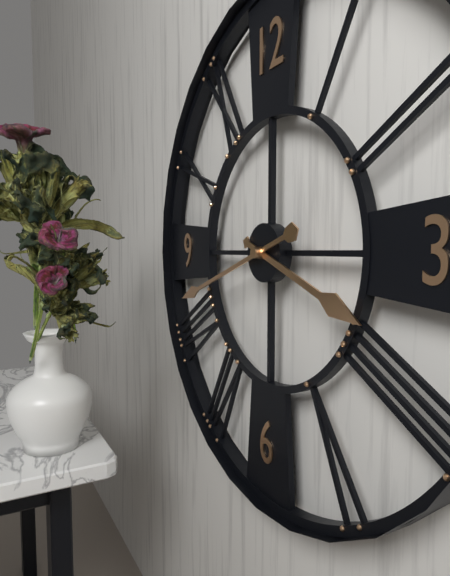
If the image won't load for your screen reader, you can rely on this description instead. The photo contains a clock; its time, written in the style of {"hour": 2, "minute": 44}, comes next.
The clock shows {"hour": 3, "minute": 42}
